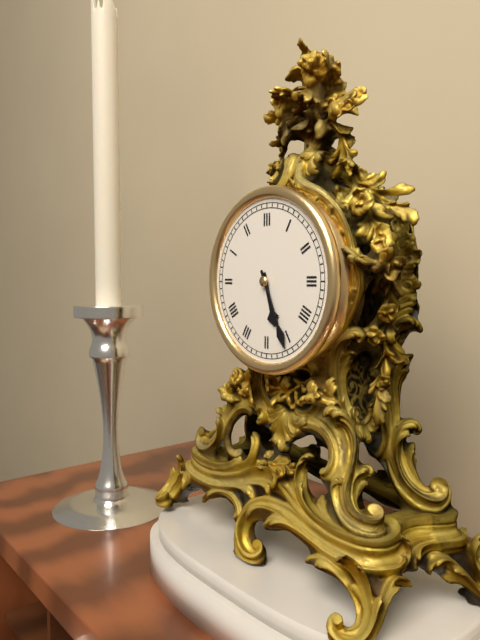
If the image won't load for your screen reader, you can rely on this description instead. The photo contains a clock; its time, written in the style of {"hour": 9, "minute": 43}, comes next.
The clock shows {"hour": 5, "minute": 26}
